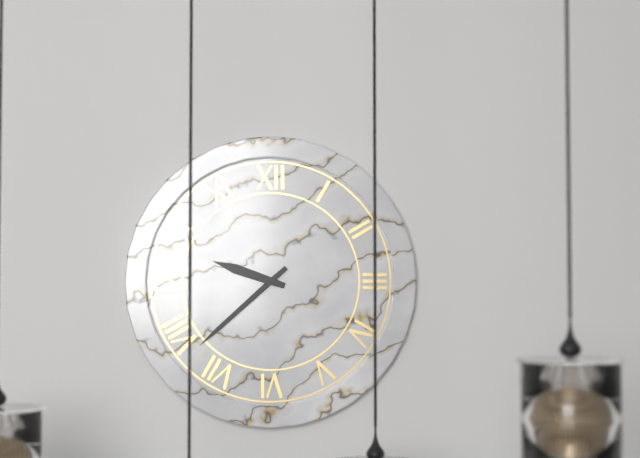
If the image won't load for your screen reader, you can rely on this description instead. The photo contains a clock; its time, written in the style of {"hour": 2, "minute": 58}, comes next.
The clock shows {"hour": 9, "minute": 38}
